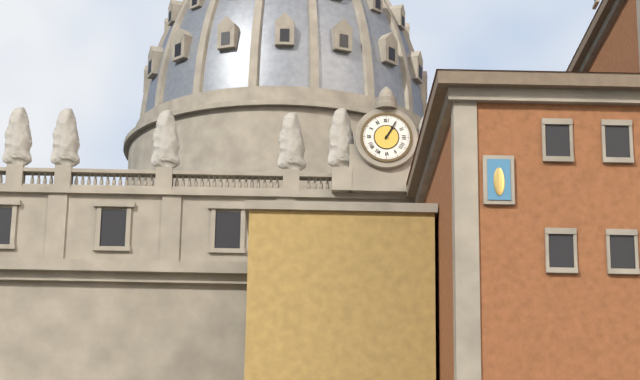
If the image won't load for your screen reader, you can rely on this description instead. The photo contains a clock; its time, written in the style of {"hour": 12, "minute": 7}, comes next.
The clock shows {"hour": 1, "minute": 5}
